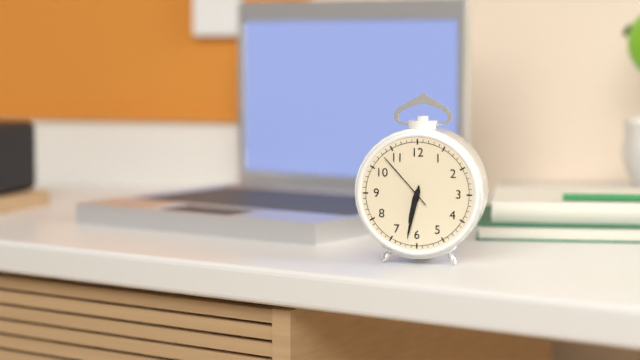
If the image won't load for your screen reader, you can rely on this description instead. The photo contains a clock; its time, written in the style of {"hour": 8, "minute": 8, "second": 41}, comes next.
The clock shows {"hour": 6, "minute": 32, "second": 53}
